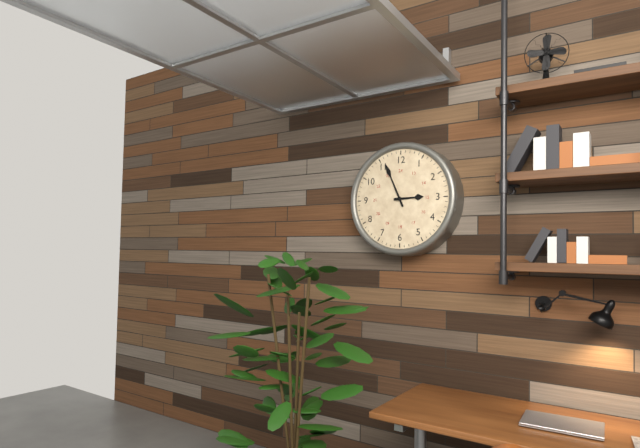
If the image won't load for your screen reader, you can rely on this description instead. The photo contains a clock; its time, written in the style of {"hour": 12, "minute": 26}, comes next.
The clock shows {"hour": 2, "minute": 56}
